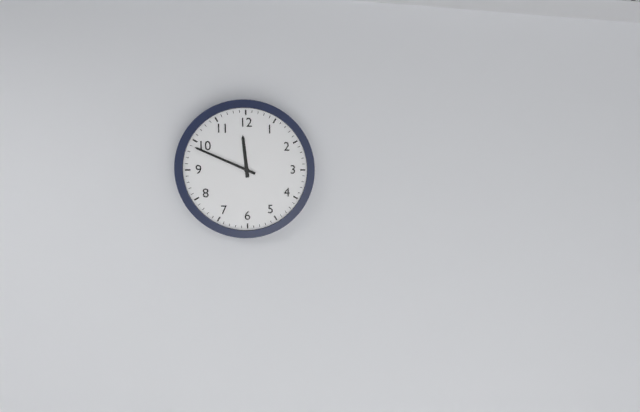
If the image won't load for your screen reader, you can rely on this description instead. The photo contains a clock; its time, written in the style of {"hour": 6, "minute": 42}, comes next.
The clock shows {"hour": 11, "minute": 49}
